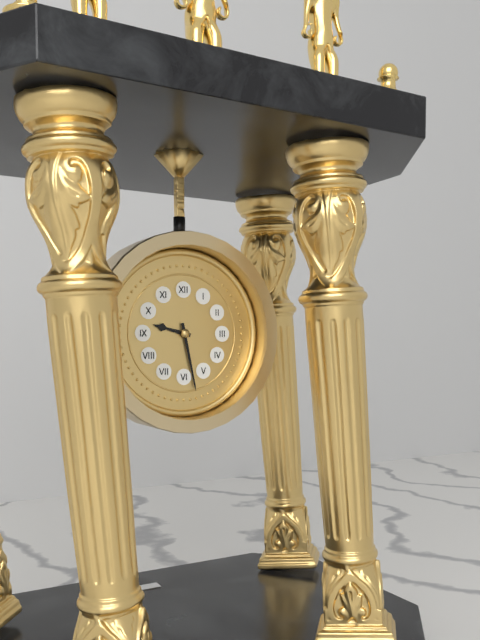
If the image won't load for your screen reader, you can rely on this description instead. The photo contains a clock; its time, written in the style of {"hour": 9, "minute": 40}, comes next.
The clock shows {"hour": 9, "minute": 28}
